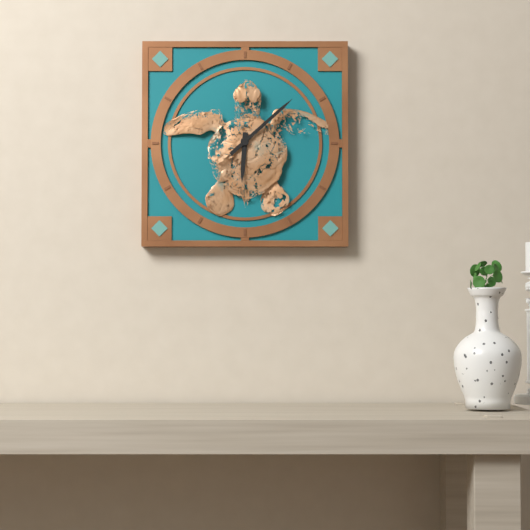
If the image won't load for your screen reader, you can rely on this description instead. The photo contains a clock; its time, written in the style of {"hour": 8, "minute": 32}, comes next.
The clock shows {"hour": 6, "minute": 8}
